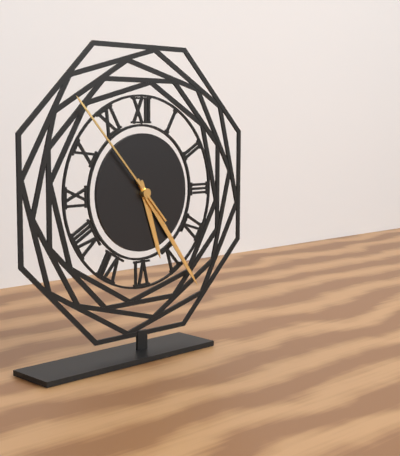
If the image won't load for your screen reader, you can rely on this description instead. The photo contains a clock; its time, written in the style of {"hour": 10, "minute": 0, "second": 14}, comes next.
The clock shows {"hour": 5, "minute": 24, "second": 53}
